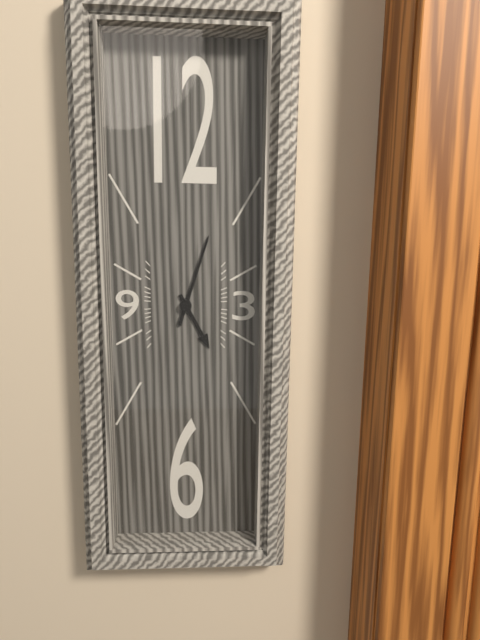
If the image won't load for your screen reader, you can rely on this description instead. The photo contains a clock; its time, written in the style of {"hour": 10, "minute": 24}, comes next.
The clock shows {"hour": 5, "minute": 3}
